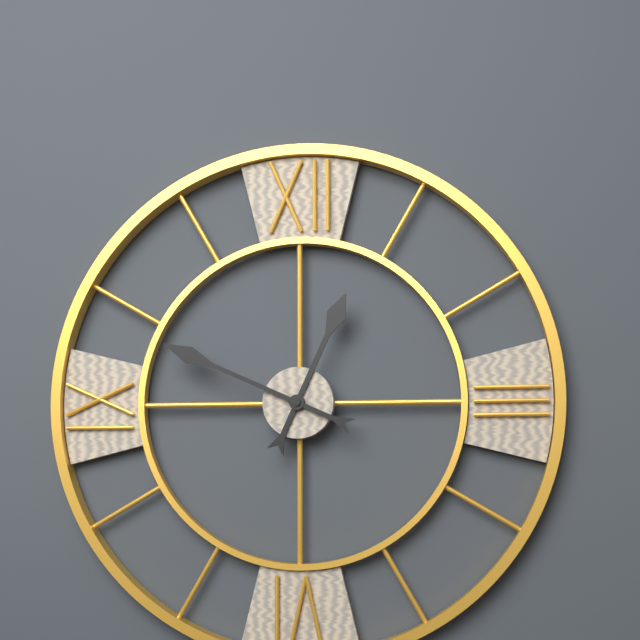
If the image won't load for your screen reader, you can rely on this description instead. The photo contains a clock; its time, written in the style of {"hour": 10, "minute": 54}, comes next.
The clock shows {"hour": 12, "minute": 49}
